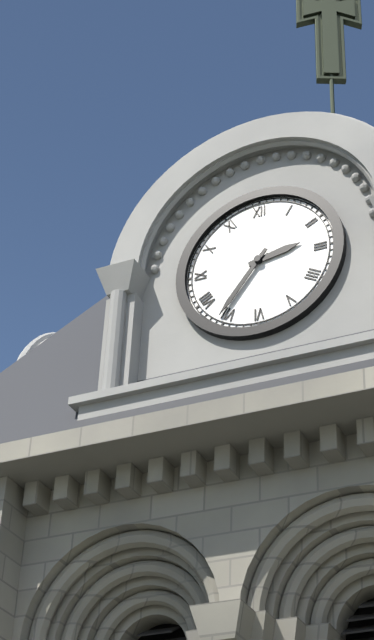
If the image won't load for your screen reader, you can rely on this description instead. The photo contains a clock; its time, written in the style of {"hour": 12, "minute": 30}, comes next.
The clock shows {"hour": 2, "minute": 36}
